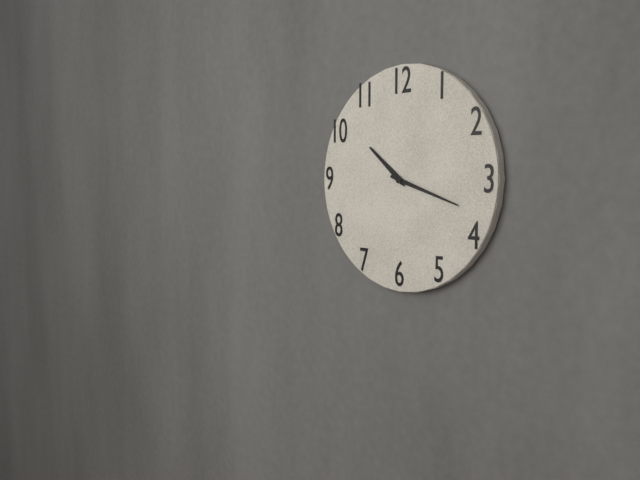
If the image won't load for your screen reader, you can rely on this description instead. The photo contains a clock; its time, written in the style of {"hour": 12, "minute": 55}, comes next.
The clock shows {"hour": 10, "minute": 18}
